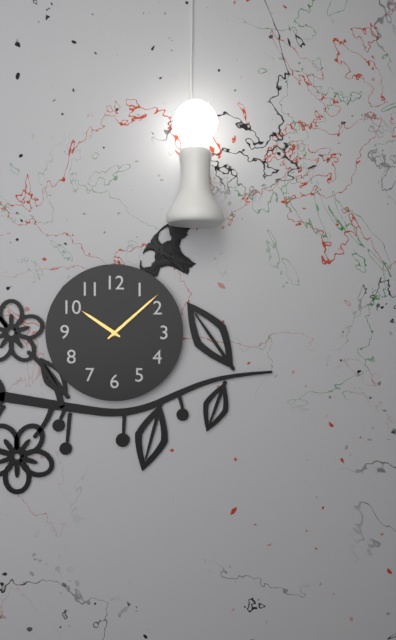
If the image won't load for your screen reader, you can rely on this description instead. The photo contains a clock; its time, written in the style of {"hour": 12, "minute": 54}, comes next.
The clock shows {"hour": 10, "minute": 8}
